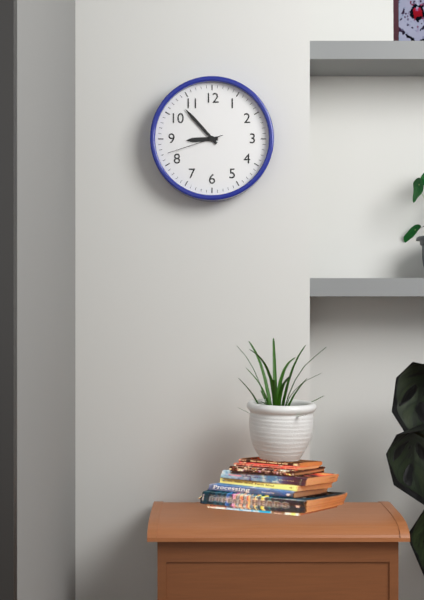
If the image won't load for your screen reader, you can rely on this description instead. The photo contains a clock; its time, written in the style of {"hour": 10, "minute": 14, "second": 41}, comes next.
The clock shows {"hour": 8, "minute": 53, "second": 42}
